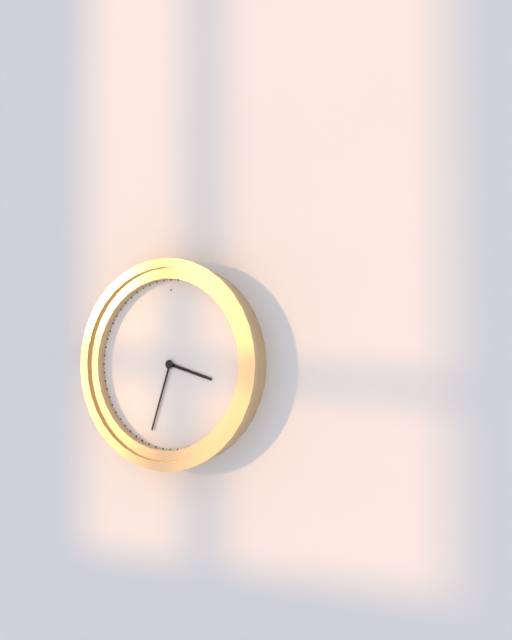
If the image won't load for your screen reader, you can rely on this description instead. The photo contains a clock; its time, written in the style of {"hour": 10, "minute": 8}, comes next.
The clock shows {"hour": 3, "minute": 33}
